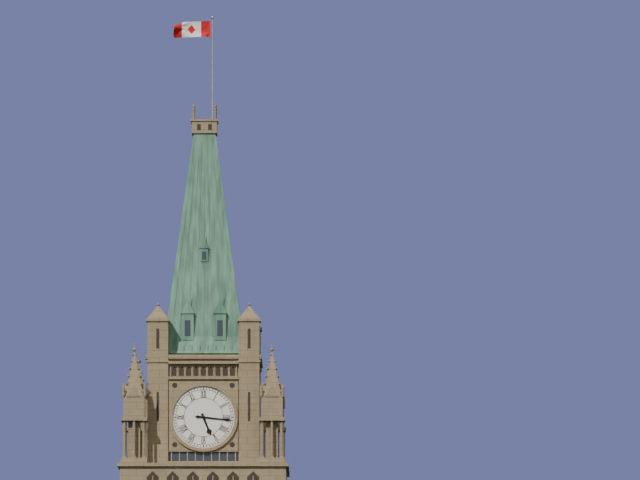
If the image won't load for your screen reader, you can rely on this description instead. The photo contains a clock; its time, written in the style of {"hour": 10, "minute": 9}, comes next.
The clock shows {"hour": 5, "minute": 16}
